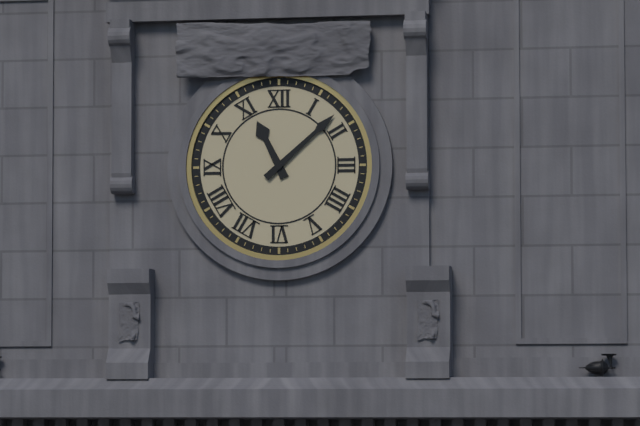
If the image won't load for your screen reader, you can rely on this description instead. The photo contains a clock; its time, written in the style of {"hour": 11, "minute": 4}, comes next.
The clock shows {"hour": 11, "minute": 8}
